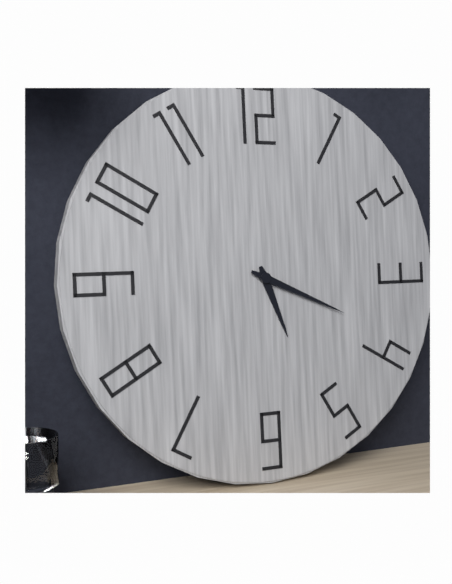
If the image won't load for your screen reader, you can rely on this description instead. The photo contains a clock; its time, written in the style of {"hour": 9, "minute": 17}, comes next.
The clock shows {"hour": 5, "minute": 19}
